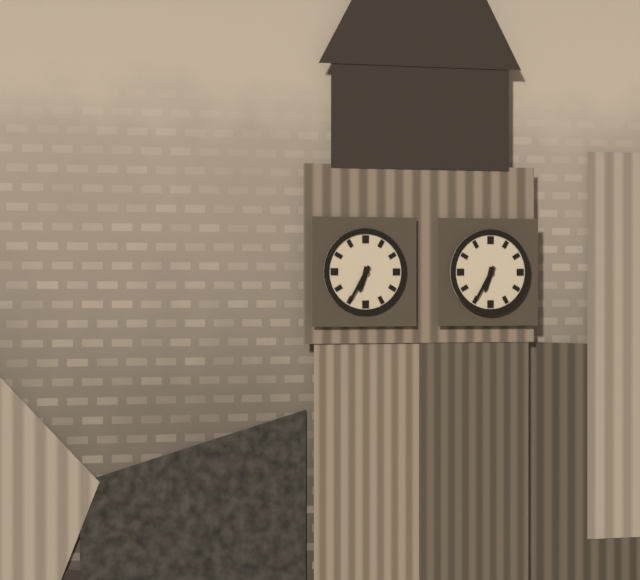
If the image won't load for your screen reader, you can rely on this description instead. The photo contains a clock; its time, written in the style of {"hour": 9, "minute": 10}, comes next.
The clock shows {"hour": 6, "minute": 35}
